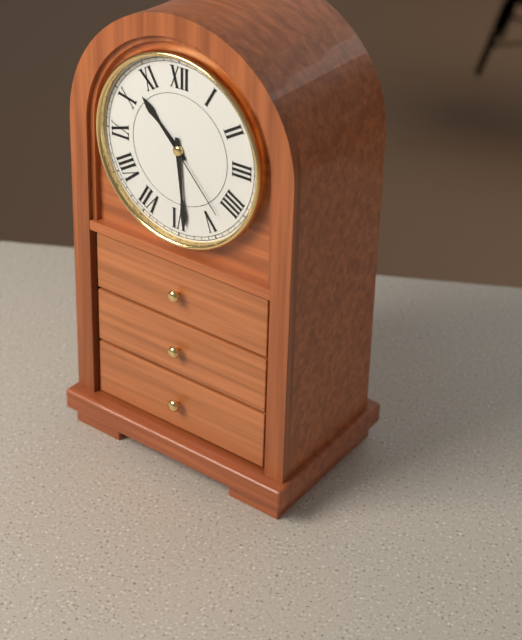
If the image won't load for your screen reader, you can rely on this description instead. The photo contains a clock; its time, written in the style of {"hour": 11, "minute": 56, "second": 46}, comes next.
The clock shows {"hour": 10, "minute": 29, "second": 23}
